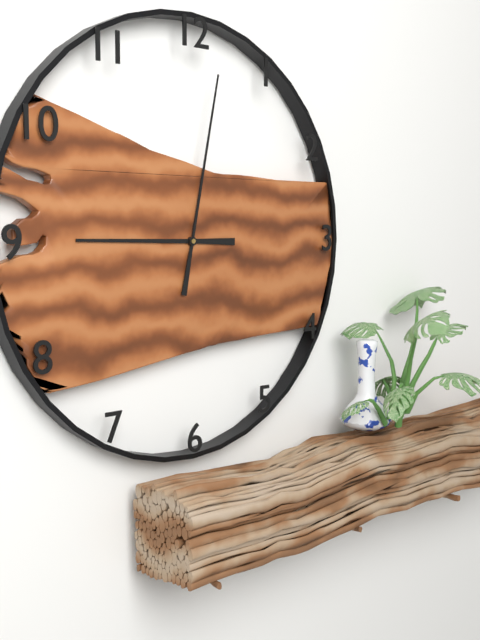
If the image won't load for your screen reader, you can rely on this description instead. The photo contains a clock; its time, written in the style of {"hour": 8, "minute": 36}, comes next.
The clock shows {"hour": 9, "minute": 2}
